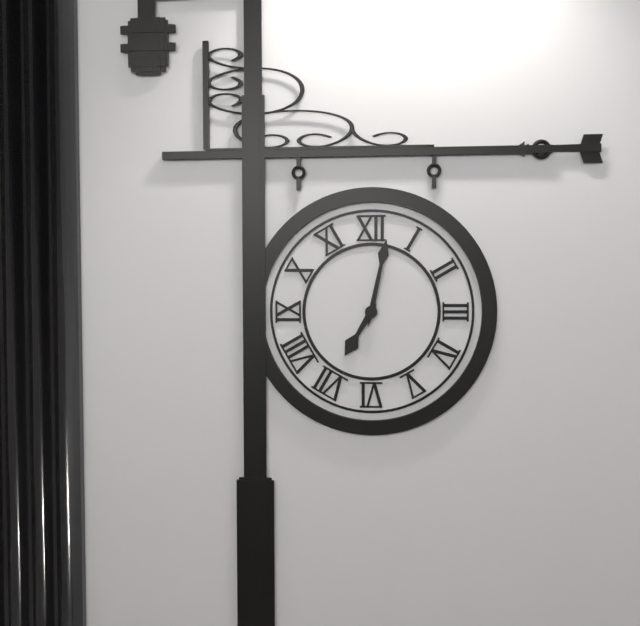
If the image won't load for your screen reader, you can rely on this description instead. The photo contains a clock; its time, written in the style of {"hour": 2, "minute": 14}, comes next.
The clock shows {"hour": 7, "minute": 2}
